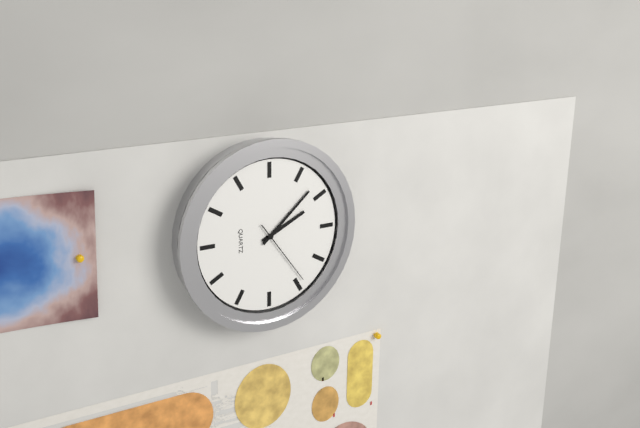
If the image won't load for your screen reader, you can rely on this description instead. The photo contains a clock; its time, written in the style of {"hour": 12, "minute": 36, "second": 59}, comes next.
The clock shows {"hour": 2, "minute": 8, "second": 24}
